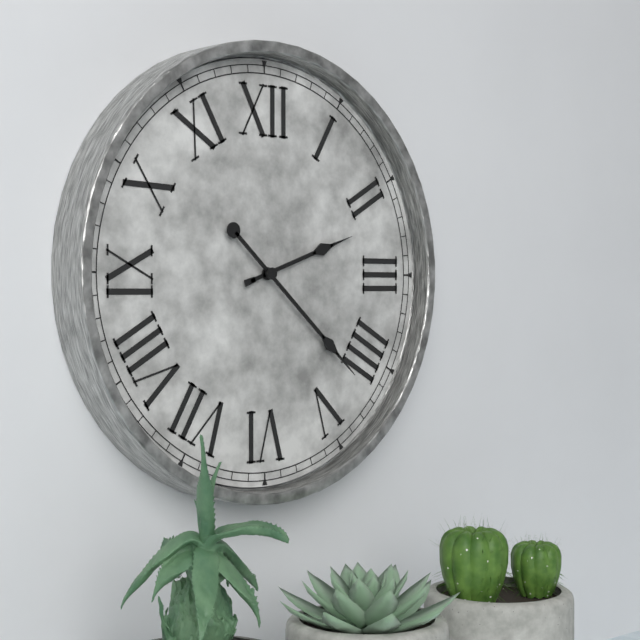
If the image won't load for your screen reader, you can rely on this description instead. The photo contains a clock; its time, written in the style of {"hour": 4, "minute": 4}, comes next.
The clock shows {"hour": 2, "minute": 22}
